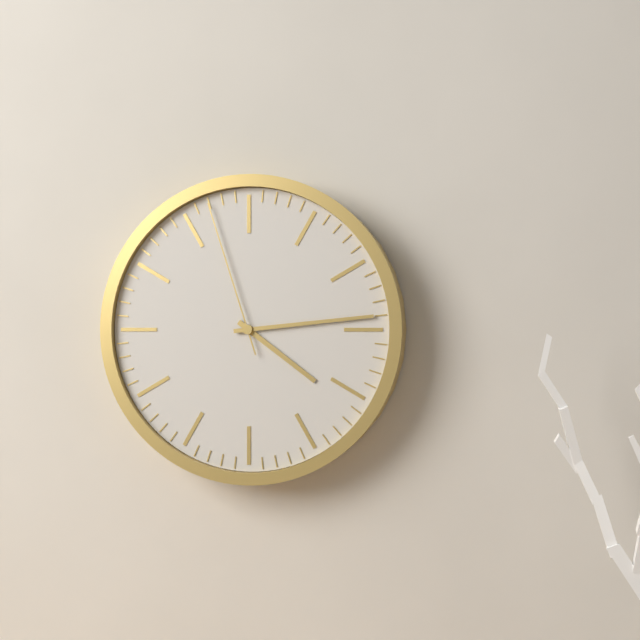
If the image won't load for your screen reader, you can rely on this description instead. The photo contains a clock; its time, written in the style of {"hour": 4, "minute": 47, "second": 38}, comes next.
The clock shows {"hour": 4, "minute": 14, "second": 57}
